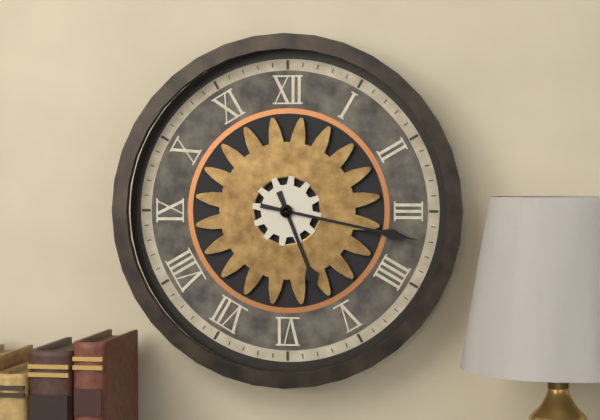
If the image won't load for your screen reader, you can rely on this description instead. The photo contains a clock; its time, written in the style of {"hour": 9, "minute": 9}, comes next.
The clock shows {"hour": 5, "minute": 17}
